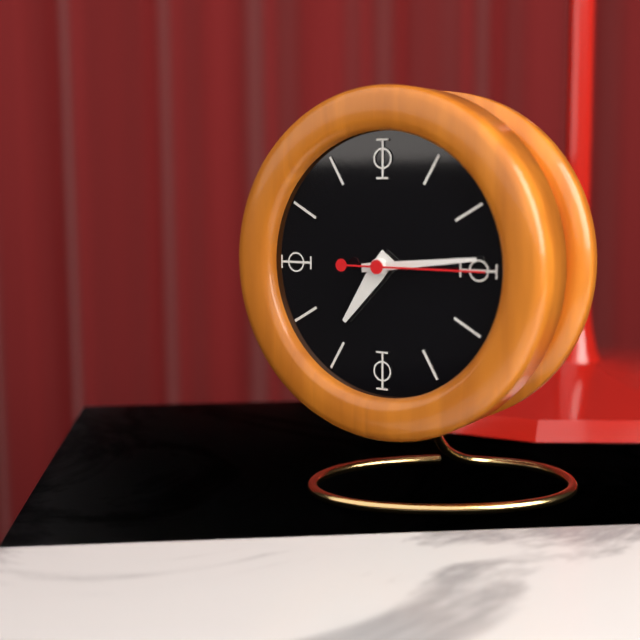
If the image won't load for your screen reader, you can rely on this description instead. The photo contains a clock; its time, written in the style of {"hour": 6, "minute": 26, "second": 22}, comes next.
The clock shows {"hour": 7, "minute": 14, "second": 15}
